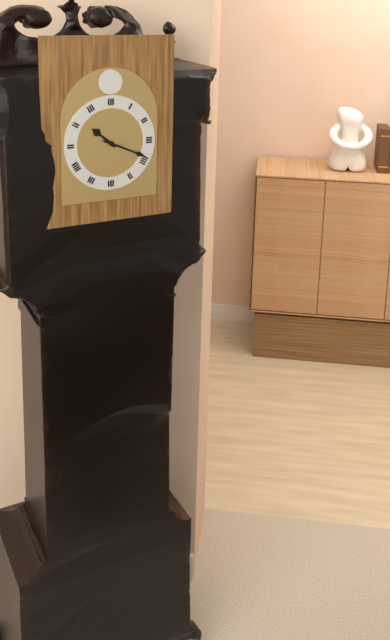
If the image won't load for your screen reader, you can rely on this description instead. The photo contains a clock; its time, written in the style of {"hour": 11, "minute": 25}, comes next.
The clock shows {"hour": 10, "minute": 19}
